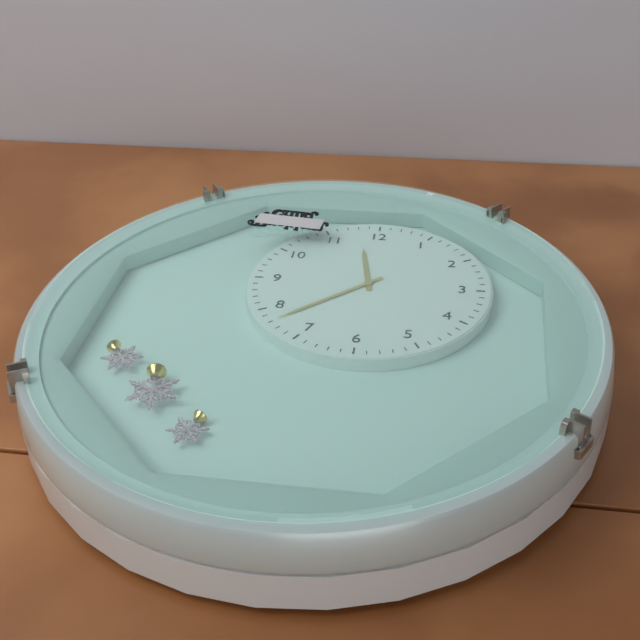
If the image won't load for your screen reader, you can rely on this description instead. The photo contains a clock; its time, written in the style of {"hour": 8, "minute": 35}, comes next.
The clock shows {"hour": 11, "minute": 38}
